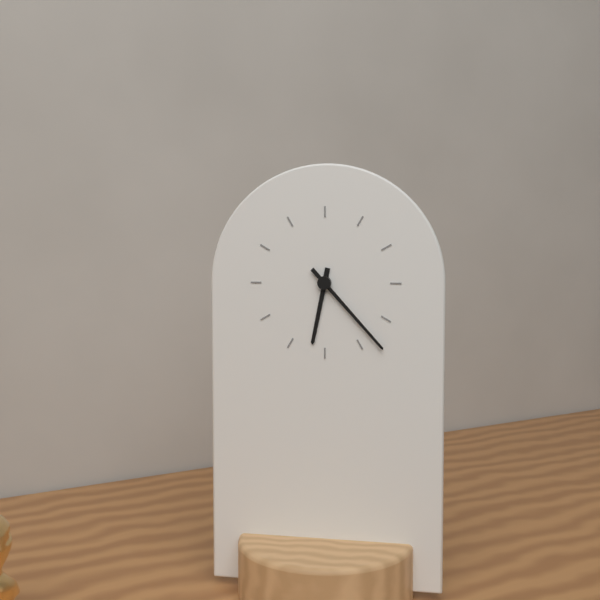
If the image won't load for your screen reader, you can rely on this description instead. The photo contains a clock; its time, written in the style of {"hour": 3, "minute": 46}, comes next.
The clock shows {"hour": 6, "minute": 23}
